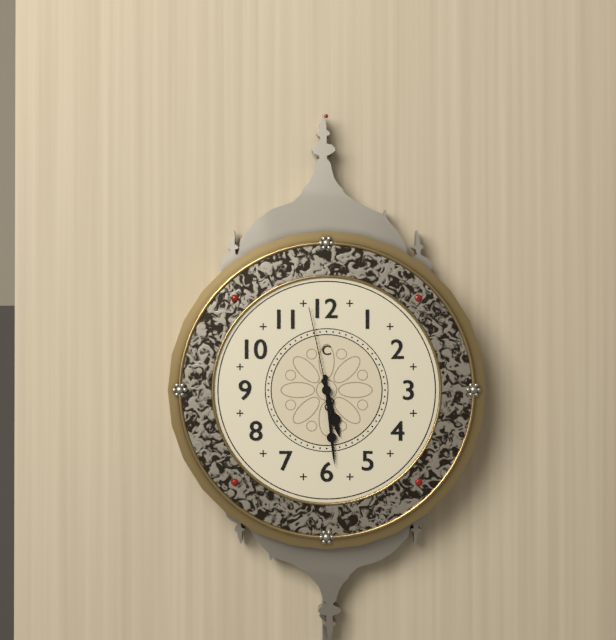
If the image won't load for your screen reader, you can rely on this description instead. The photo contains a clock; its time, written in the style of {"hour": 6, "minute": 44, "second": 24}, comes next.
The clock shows {"hour": 5, "minute": 29, "second": 58}
